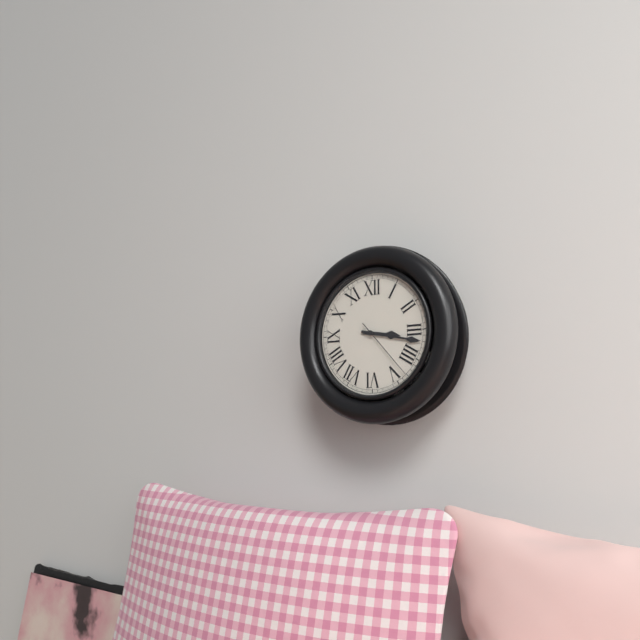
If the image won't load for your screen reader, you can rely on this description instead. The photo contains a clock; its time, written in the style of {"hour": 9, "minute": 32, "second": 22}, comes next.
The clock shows {"hour": 3, "minute": 17, "second": 23}
